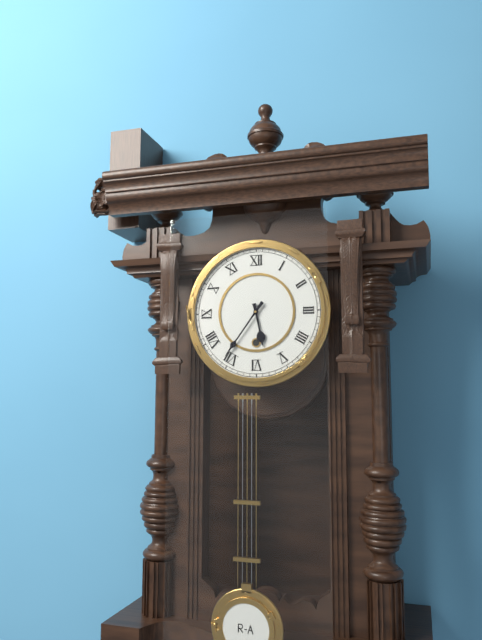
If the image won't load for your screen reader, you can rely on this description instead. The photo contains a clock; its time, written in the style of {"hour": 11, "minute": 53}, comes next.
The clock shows {"hour": 5, "minute": 36}
